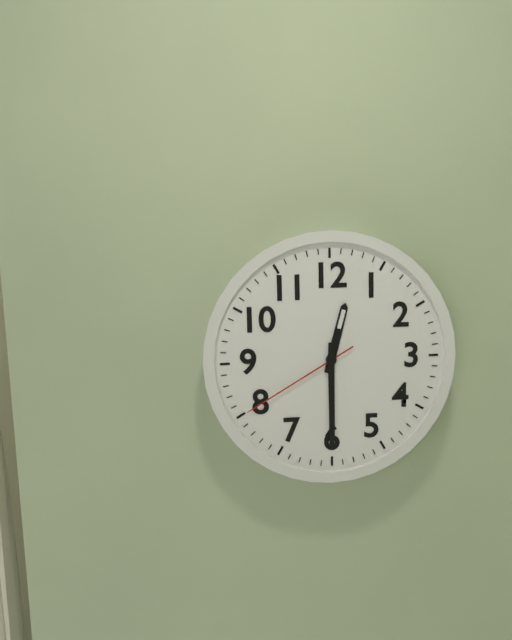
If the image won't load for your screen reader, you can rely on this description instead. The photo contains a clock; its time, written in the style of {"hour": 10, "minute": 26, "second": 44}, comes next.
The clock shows {"hour": 12, "minute": 30, "second": 40}
